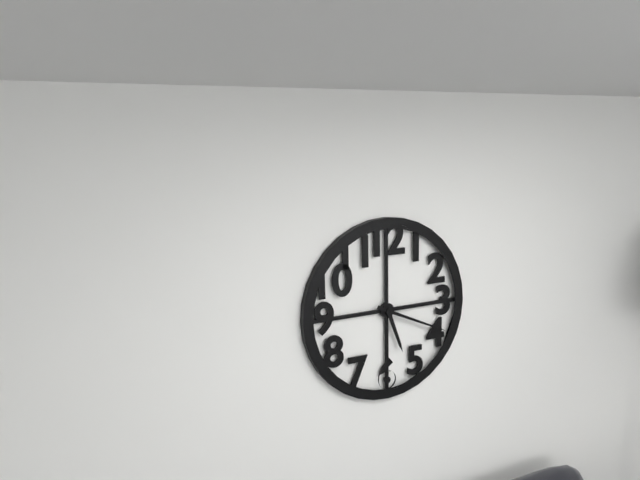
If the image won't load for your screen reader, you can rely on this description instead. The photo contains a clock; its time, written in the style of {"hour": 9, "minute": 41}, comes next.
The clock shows {"hour": 5, "minute": 19}
